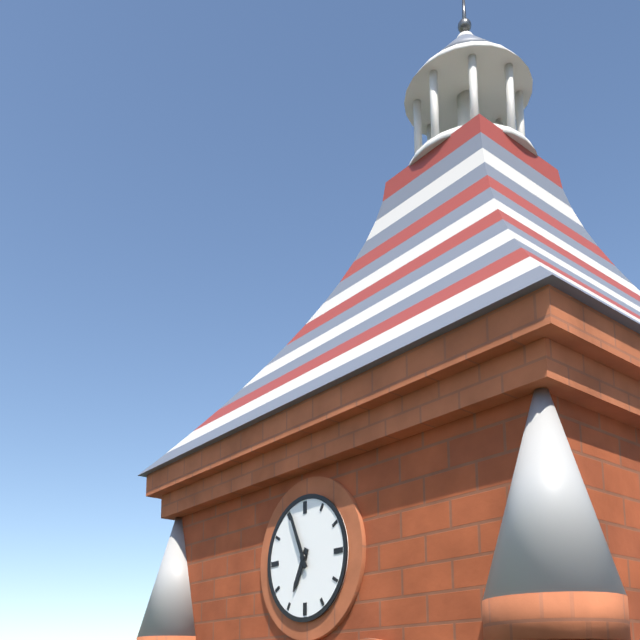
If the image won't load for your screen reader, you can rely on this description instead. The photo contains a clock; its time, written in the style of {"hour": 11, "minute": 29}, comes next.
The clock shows {"hour": 6, "minute": 56}
